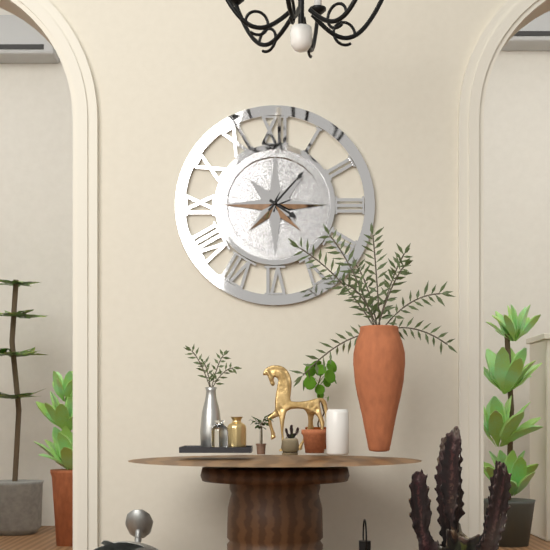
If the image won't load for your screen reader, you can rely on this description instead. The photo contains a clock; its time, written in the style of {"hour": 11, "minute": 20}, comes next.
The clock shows {"hour": 4, "minute": 7}
